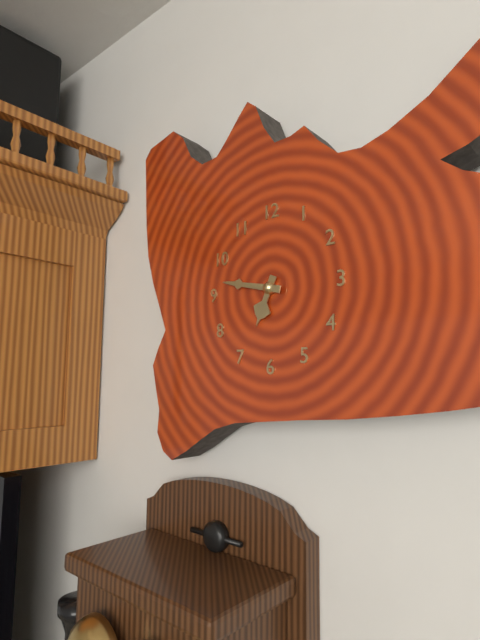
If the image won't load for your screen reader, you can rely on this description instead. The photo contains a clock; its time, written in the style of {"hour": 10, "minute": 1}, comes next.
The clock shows {"hour": 6, "minute": 47}
